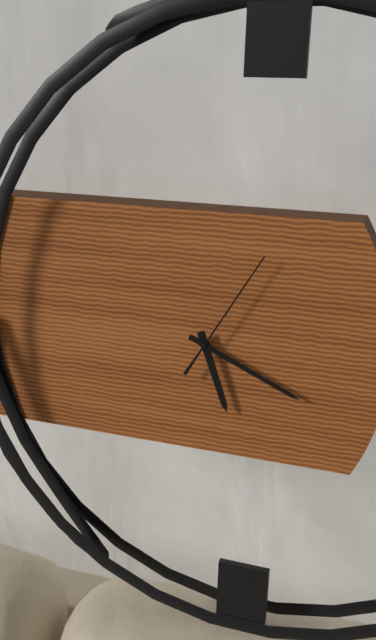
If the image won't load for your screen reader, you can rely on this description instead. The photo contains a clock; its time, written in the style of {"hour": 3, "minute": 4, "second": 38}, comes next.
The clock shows {"hour": 5, "minute": 19, "second": 5}
